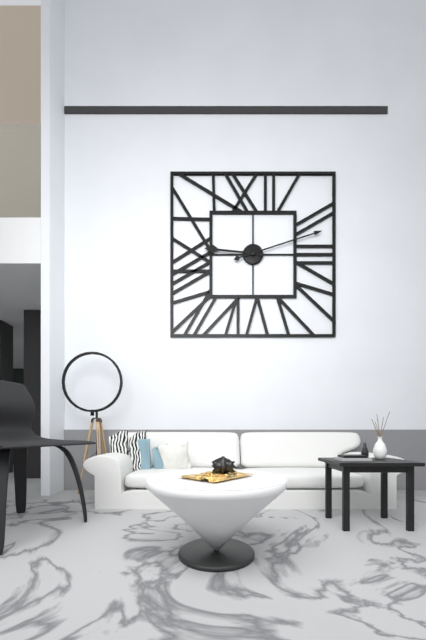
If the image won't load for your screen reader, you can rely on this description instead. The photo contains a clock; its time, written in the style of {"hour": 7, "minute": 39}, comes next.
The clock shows {"hour": 9, "minute": 12}
